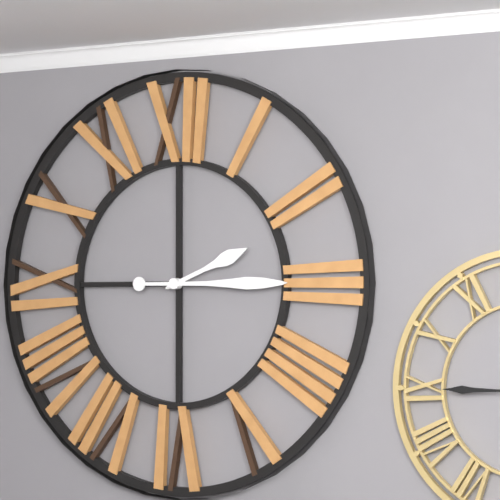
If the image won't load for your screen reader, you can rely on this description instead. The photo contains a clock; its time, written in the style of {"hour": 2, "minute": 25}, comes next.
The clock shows {"hour": 2, "minute": 15}
